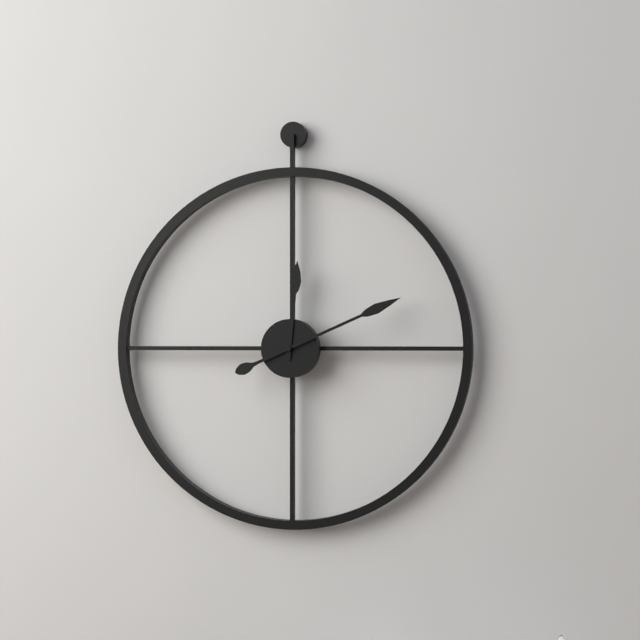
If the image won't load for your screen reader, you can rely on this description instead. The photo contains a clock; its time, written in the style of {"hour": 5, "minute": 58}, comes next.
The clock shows {"hour": 12, "minute": 11}
